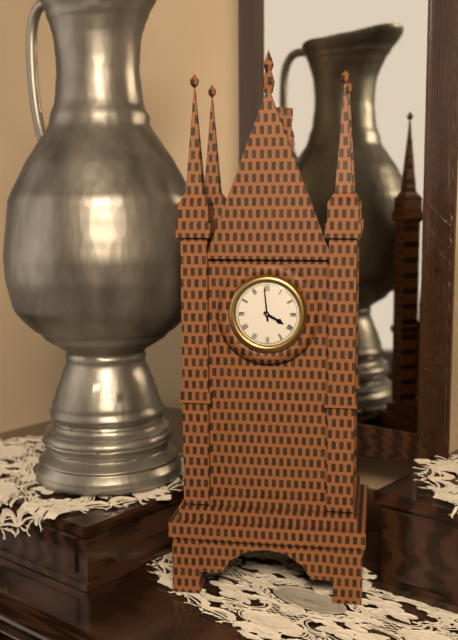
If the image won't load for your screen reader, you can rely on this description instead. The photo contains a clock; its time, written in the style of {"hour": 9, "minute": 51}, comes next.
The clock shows {"hour": 3, "minute": 59}
